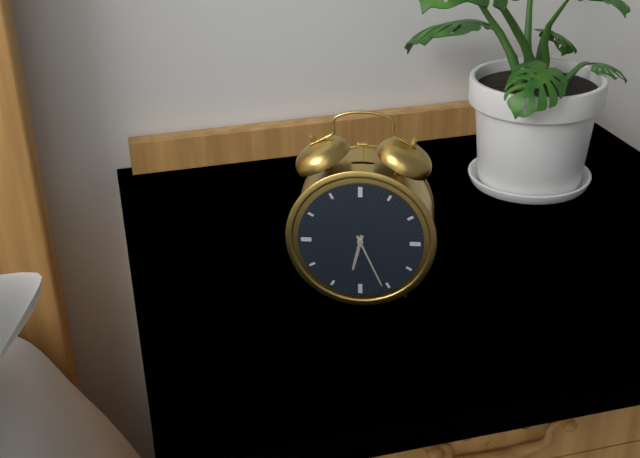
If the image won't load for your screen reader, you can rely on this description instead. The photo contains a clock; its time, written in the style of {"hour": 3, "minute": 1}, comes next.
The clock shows {"hour": 6, "minute": 26}
